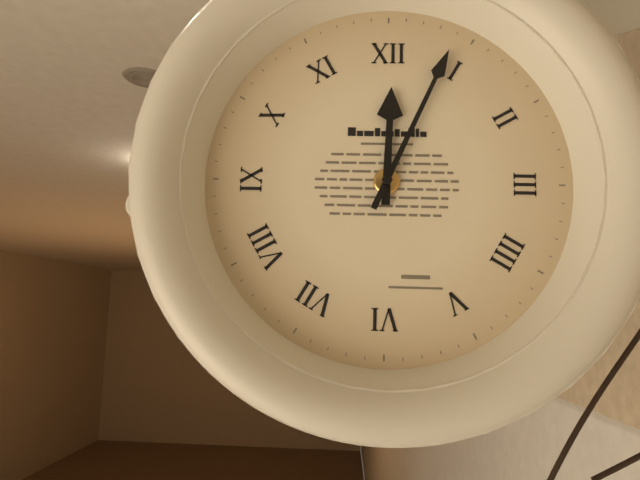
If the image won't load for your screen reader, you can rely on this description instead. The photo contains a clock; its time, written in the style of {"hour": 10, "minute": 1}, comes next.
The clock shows {"hour": 12, "minute": 4}
